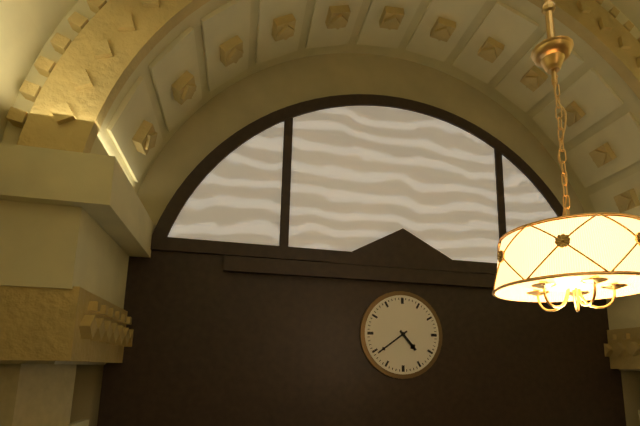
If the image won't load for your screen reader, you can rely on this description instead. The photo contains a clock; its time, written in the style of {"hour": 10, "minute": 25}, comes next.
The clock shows {"hour": 4, "minute": 39}
